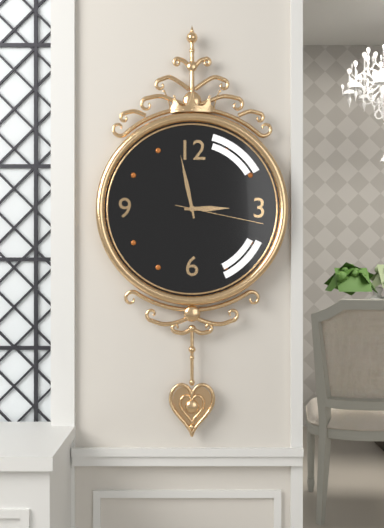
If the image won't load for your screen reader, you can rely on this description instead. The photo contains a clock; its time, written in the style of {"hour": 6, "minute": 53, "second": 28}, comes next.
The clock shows {"hour": 2, "minute": 58, "second": 17}
